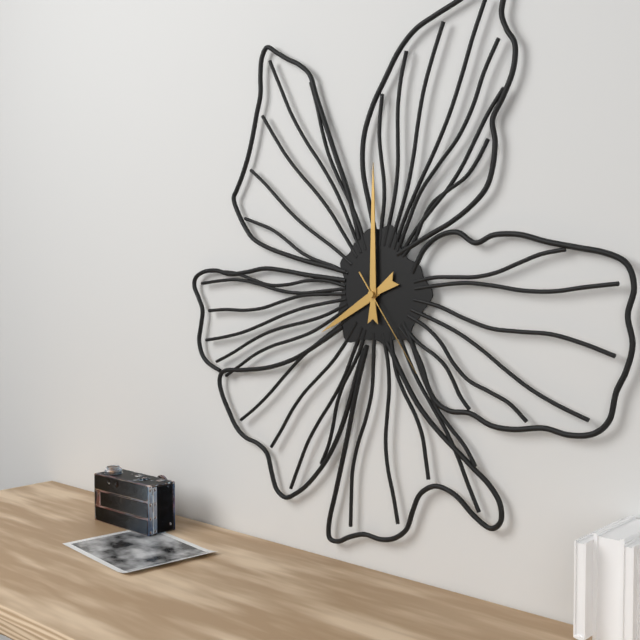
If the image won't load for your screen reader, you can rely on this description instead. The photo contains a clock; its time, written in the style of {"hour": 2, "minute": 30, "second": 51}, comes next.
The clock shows {"hour": 8, "minute": 0, "second": 24}
